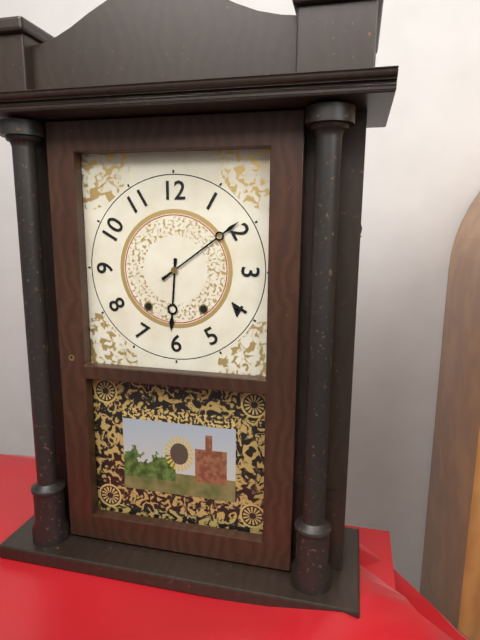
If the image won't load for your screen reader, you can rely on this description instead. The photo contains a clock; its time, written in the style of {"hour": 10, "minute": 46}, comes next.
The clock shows {"hour": 6, "minute": 9}
